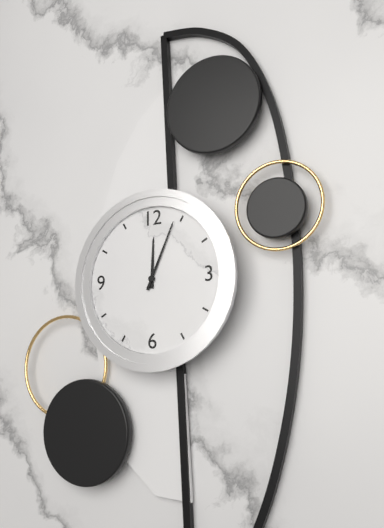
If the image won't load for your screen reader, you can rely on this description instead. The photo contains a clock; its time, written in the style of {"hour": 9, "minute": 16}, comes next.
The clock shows {"hour": 12, "minute": 4}
